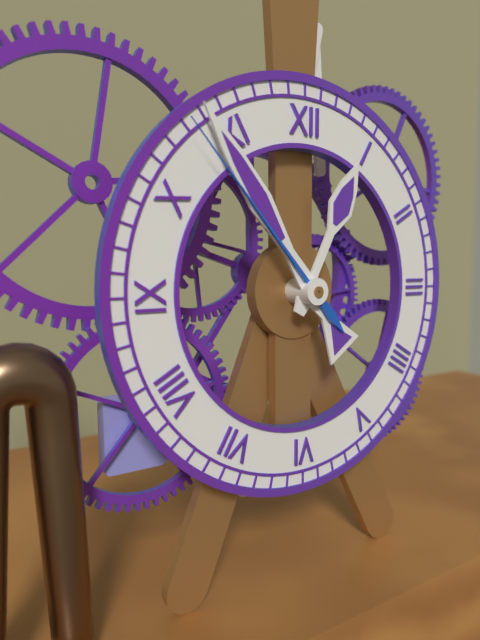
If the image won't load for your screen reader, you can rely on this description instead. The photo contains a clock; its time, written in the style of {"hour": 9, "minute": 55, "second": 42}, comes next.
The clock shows {"hour": 12, "minute": 54, "second": 53}
